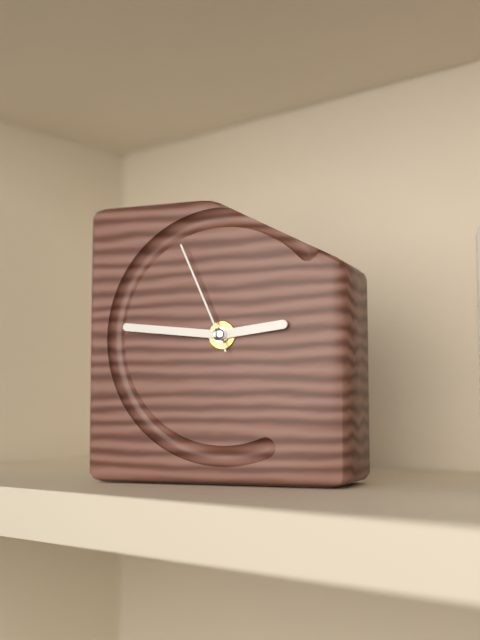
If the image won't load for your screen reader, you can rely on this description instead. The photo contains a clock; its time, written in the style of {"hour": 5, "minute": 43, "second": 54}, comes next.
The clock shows {"hour": 2, "minute": 46, "second": 56}
